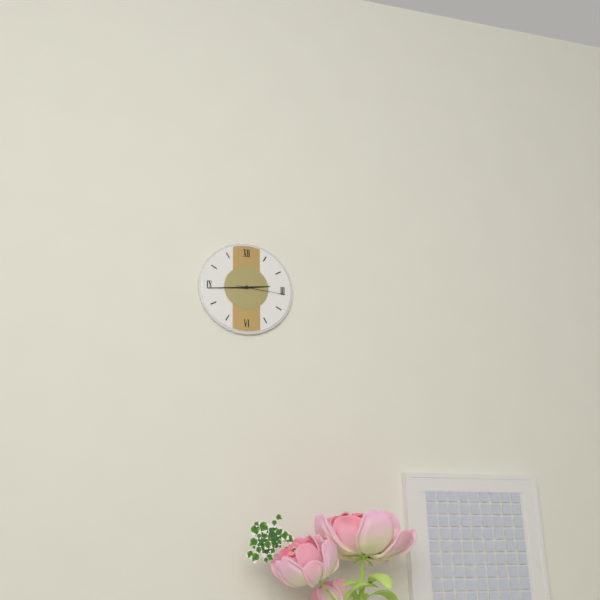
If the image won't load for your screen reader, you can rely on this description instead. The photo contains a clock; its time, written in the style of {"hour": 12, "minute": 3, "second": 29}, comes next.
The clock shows {"hour": 2, "minute": 44, "second": 16}
